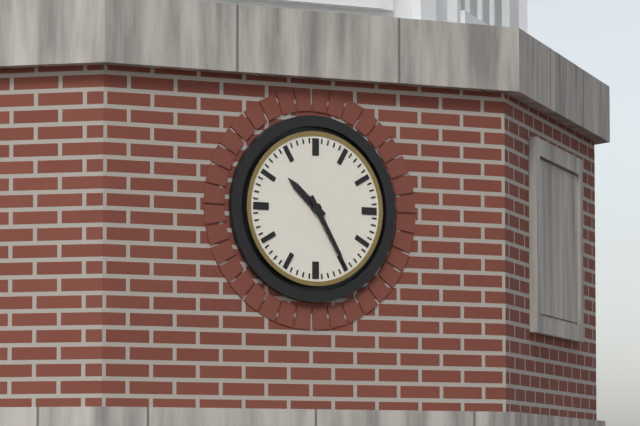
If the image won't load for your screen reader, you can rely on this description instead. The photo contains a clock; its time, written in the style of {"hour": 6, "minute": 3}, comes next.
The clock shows {"hour": 10, "minute": 25}
